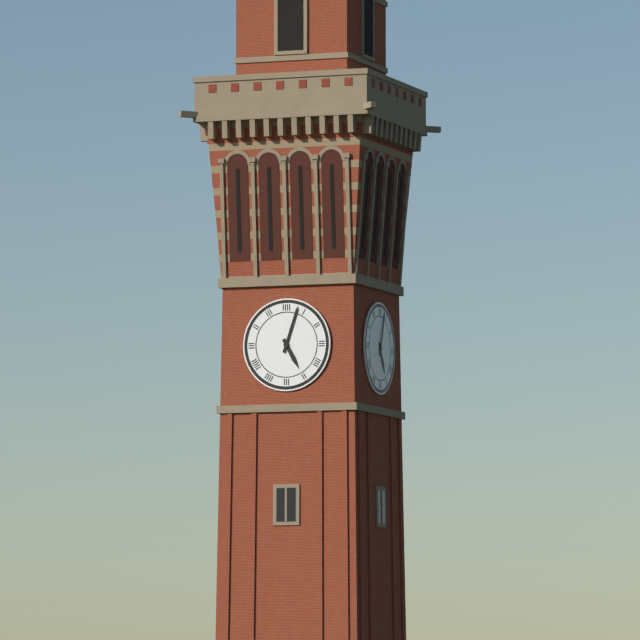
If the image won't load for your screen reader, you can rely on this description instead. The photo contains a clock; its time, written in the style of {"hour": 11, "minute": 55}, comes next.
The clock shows {"hour": 5, "minute": 3}
